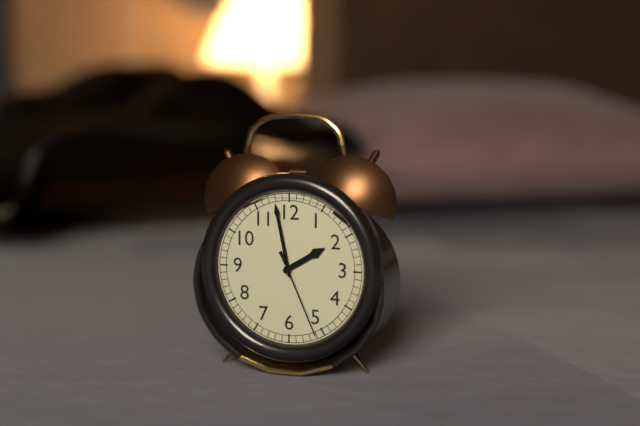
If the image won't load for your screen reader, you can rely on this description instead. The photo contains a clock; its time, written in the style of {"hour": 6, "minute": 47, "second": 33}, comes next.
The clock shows {"hour": 1, "minute": 58, "second": 26}
